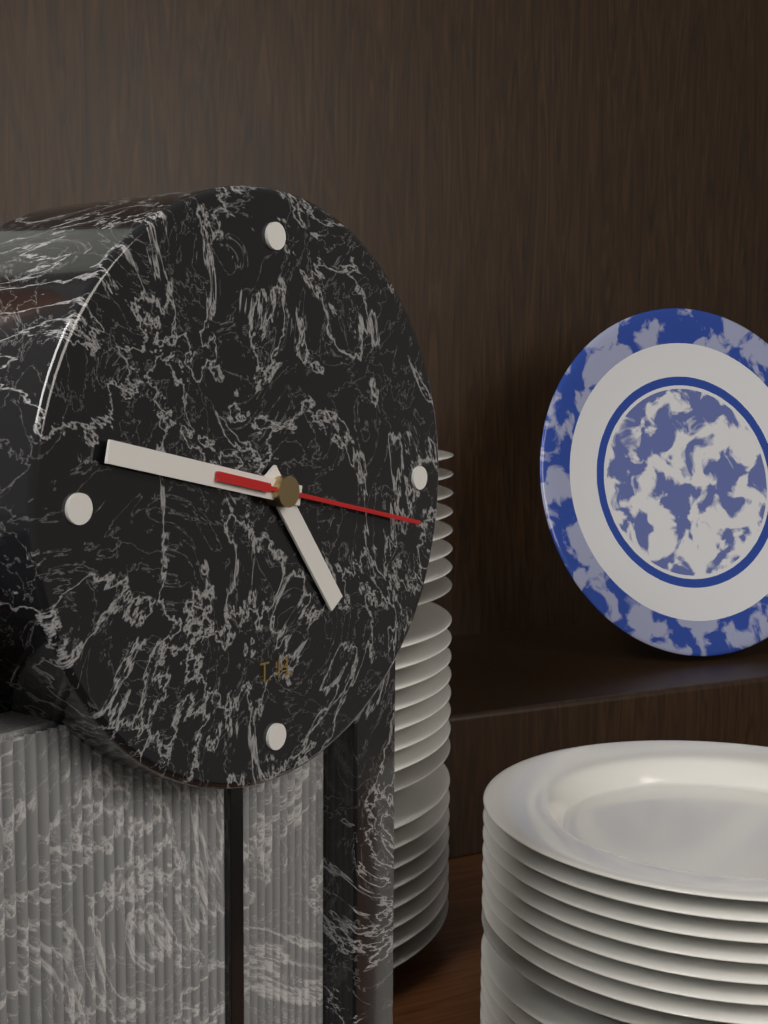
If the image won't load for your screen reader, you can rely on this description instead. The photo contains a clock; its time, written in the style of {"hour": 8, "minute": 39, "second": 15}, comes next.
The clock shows {"hour": 4, "minute": 47, "second": 17}
